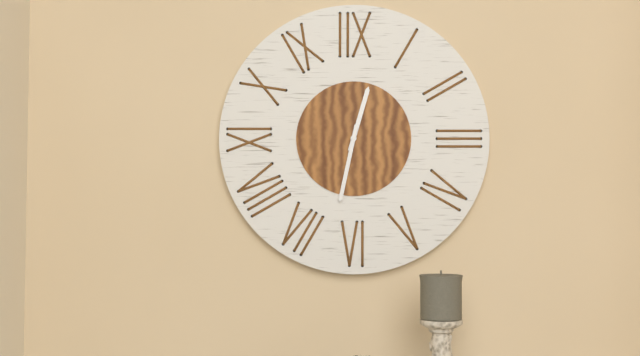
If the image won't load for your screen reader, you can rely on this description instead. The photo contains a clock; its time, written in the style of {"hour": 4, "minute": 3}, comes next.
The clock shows {"hour": 12, "minute": 32}
